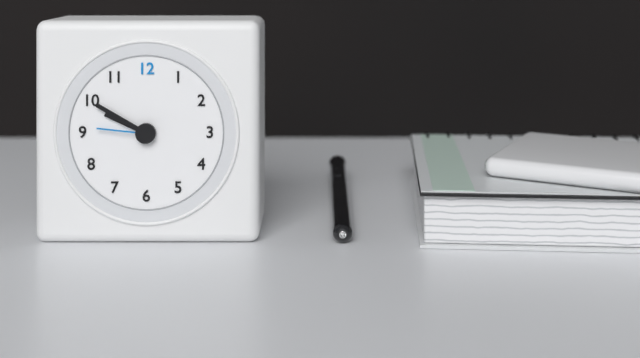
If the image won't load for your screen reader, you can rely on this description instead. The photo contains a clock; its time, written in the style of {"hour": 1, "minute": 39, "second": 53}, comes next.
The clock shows {"hour": 9, "minute": 50, "second": 46}
